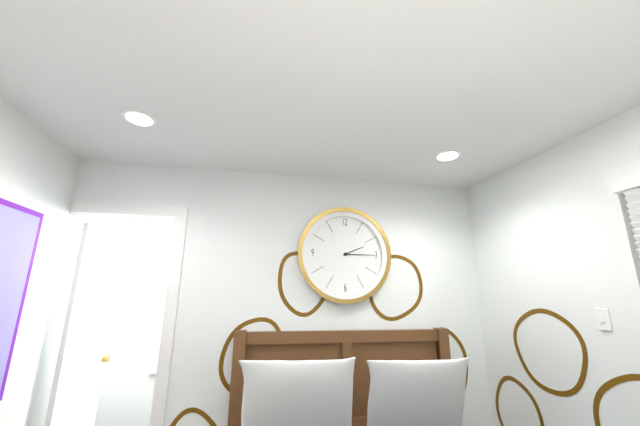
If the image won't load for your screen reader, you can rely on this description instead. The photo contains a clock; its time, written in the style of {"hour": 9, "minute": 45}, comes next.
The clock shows {"hour": 2, "minute": 15}
